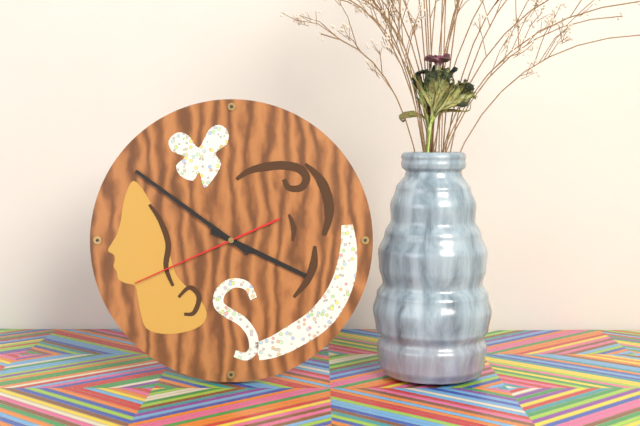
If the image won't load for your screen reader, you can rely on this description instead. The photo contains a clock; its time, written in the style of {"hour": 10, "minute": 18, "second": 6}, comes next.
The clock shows {"hour": 3, "minute": 51, "second": 41}
